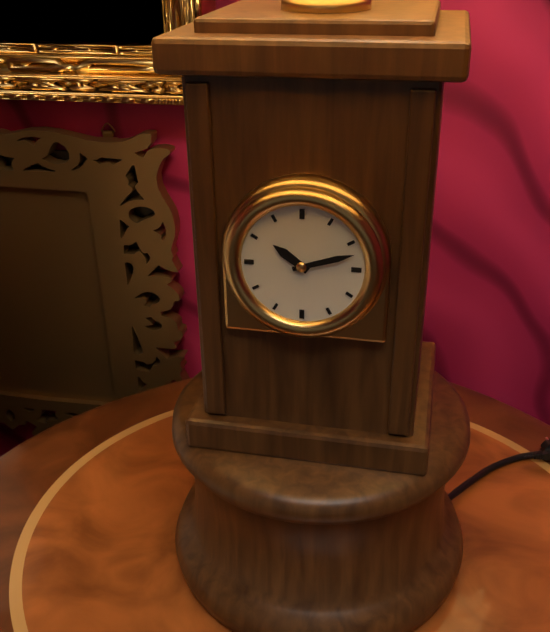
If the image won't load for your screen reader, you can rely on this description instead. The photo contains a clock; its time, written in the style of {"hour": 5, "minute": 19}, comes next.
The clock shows {"hour": 10, "minute": 12}
